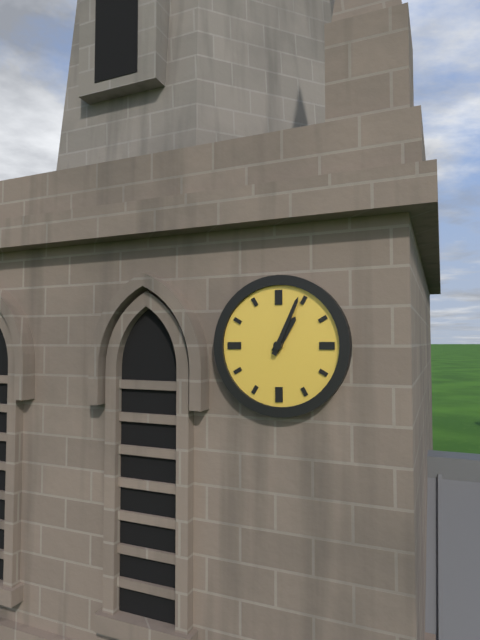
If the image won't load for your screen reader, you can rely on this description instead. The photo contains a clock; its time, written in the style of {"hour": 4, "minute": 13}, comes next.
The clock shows {"hour": 1, "minute": 4}
